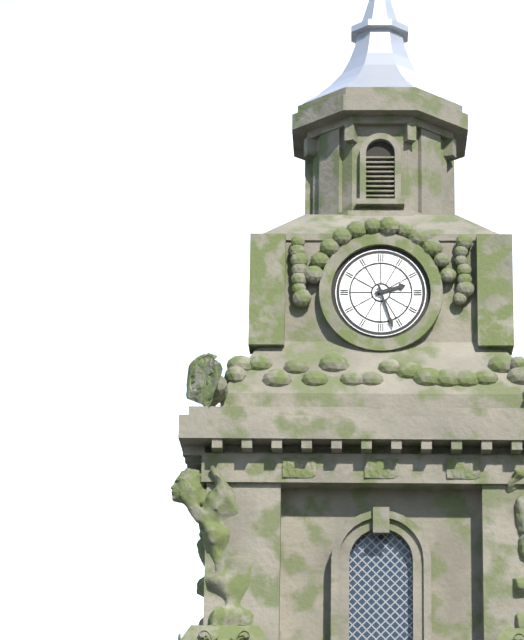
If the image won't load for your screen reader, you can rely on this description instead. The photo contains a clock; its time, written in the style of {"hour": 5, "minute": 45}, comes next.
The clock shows {"hour": 2, "minute": 27}
